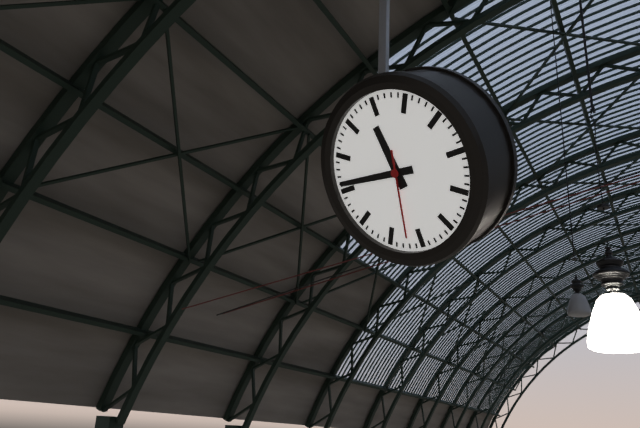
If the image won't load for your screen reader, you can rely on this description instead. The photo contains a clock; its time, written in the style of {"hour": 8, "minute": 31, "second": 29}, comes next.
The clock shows {"hour": 11, "minute": 46, "second": 32}
